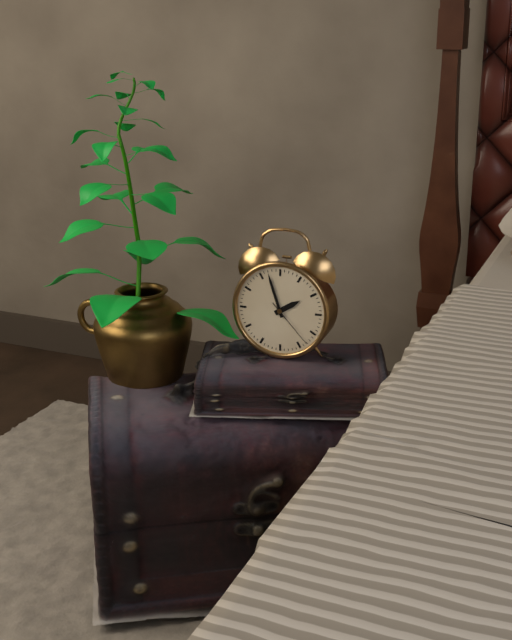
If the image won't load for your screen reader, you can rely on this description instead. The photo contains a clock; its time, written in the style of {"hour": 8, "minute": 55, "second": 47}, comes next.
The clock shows {"hour": 1, "minute": 57, "second": 23}
